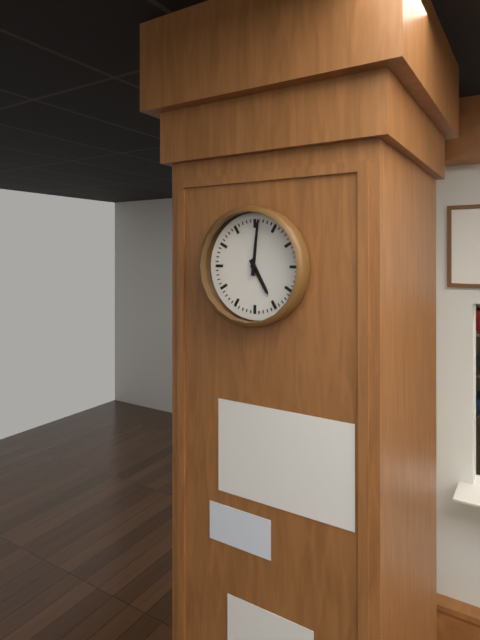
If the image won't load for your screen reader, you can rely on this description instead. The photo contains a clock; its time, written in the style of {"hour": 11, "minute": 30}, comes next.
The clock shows {"hour": 5, "minute": 1}
